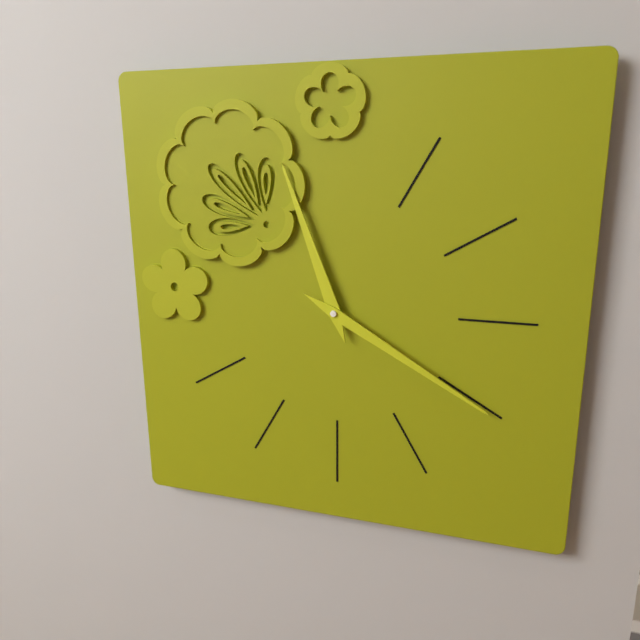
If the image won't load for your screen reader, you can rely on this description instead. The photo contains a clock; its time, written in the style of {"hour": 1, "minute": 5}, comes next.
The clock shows {"hour": 11, "minute": 20}
